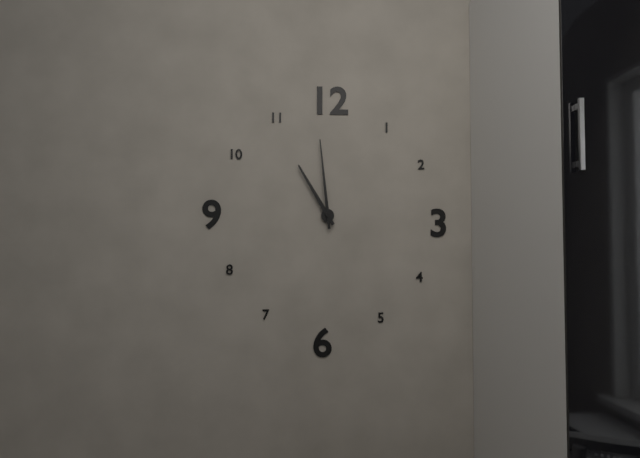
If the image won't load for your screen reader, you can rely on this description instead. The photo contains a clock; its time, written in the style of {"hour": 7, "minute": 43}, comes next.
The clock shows {"hour": 10, "minute": 59}
